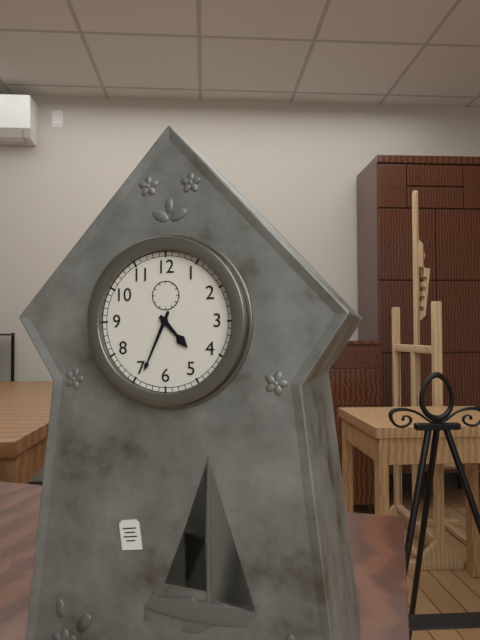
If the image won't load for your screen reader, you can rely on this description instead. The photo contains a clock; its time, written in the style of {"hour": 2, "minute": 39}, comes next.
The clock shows {"hour": 4, "minute": 34}
